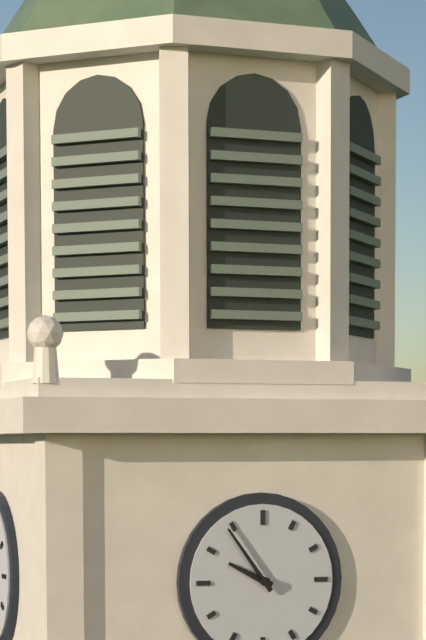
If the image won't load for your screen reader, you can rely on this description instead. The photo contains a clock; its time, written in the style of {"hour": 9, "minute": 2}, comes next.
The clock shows {"hour": 9, "minute": 54}
